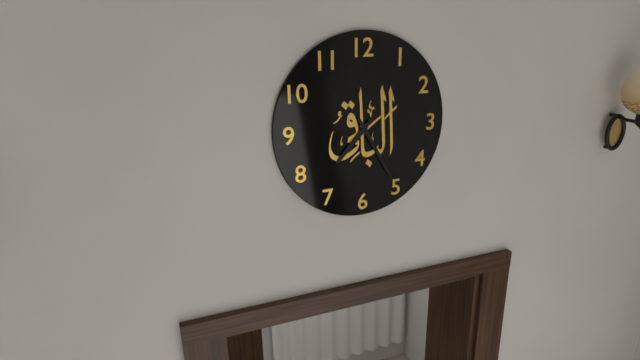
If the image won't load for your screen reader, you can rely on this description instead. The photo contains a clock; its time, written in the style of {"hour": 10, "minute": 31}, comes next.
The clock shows {"hour": 7, "minute": 25}
